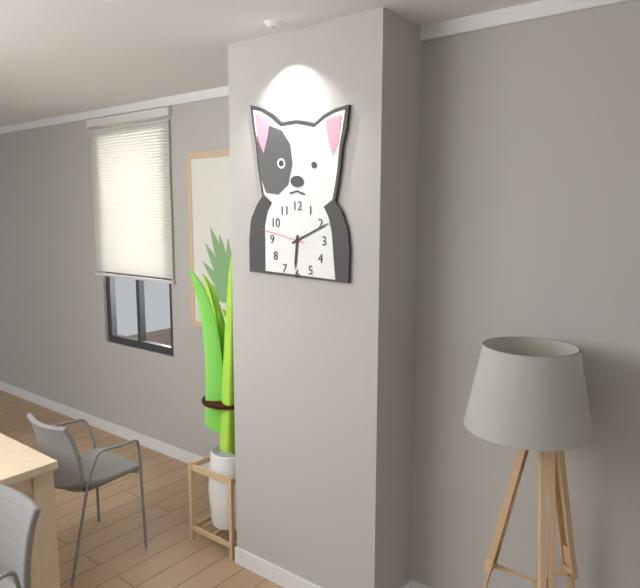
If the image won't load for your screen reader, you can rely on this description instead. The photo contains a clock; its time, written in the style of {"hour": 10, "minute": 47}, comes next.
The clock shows {"hour": 6, "minute": 11}
